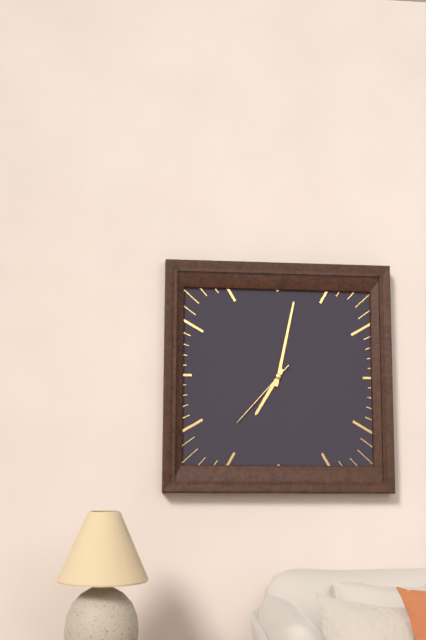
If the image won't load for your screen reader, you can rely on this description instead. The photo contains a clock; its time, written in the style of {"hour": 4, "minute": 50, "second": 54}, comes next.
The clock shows {"hour": 7, "minute": 2, "second": 37}
